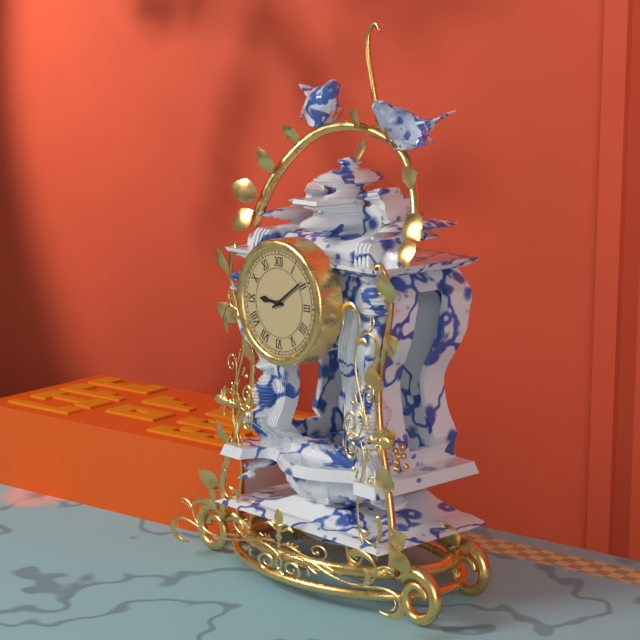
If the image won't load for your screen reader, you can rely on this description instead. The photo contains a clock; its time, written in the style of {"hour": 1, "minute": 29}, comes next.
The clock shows {"hour": 9, "minute": 9}
